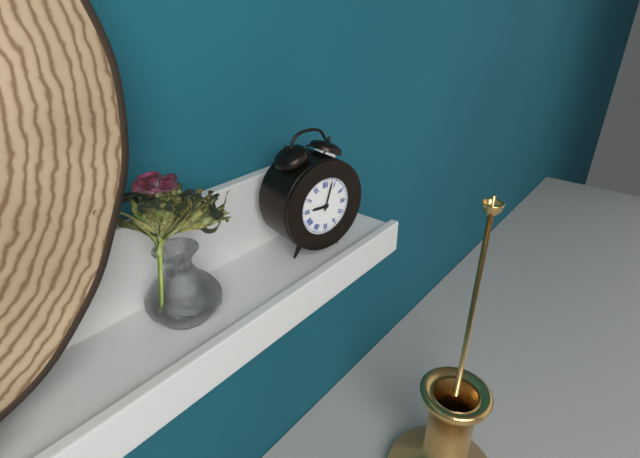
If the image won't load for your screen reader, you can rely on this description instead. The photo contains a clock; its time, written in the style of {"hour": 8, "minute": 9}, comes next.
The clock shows {"hour": 9, "minute": 3}
